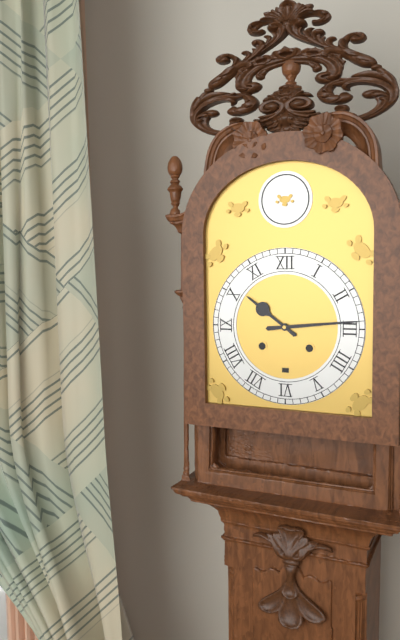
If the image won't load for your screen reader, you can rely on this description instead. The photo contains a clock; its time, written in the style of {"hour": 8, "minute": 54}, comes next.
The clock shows {"hour": 10, "minute": 14}
